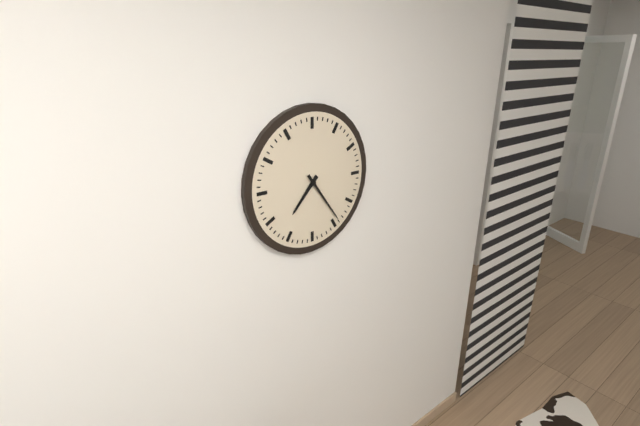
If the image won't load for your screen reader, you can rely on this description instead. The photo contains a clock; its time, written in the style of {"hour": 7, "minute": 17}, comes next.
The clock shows {"hour": 7, "minute": 24}
